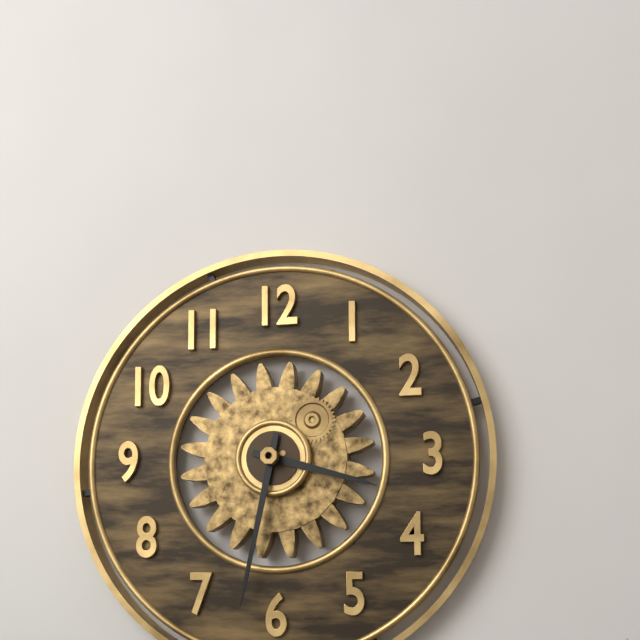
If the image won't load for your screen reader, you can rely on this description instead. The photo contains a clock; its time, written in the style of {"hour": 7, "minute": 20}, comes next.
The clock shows {"hour": 3, "minute": 32}
